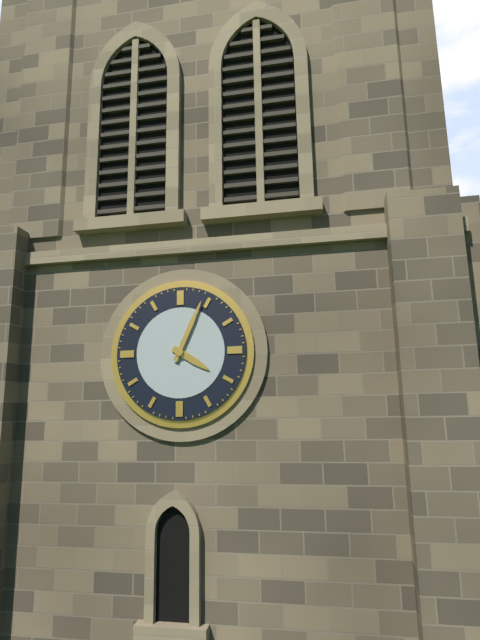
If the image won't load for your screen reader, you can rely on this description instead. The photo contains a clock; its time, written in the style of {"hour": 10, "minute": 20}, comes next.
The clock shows {"hour": 4, "minute": 4}
